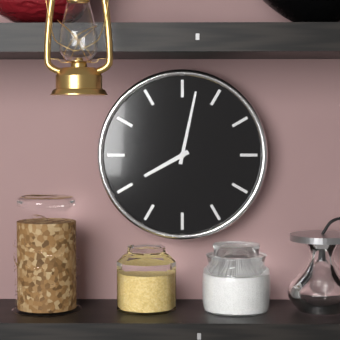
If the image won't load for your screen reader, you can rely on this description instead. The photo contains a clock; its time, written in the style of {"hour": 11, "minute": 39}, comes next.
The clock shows {"hour": 8, "minute": 2}
